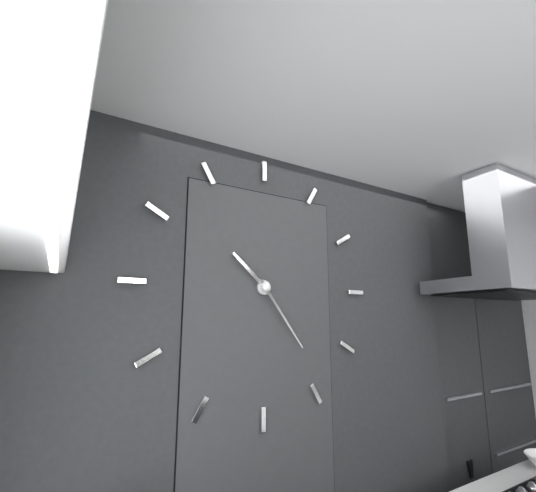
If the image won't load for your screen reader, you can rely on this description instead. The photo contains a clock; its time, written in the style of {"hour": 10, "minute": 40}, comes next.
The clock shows {"hour": 10, "minute": 24}
